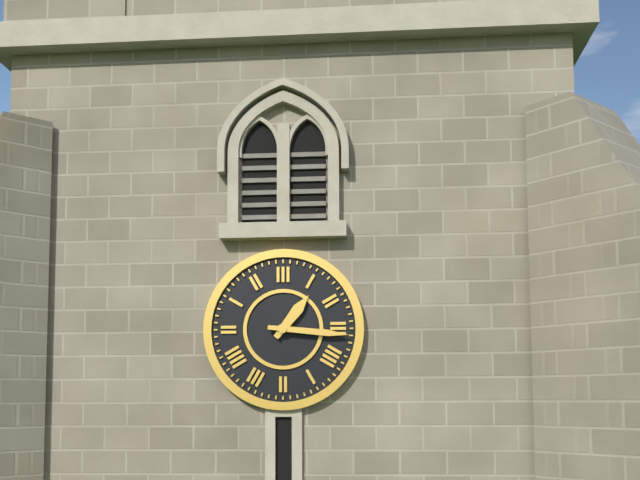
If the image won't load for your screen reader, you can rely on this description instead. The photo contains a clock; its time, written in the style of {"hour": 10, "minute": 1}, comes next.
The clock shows {"hour": 1, "minute": 16}
